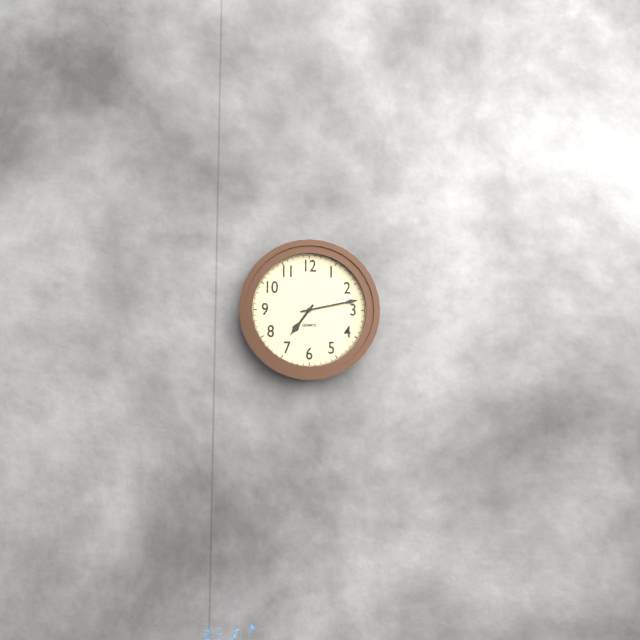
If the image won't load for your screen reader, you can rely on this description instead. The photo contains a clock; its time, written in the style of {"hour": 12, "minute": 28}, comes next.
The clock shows {"hour": 7, "minute": 13}
